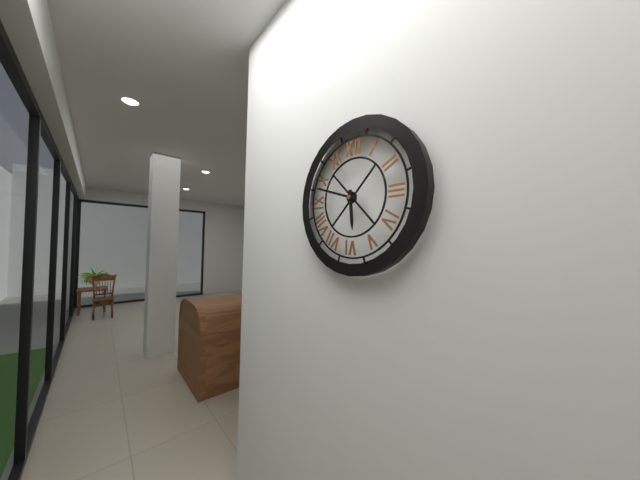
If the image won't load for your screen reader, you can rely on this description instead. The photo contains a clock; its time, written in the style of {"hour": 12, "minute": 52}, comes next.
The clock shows {"hour": 5, "minute": 48}
